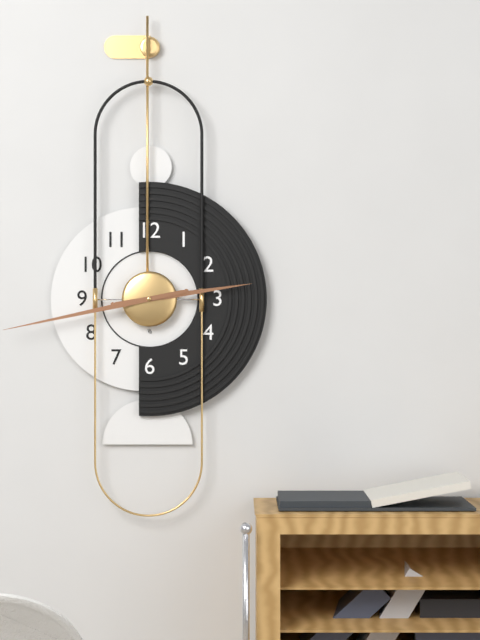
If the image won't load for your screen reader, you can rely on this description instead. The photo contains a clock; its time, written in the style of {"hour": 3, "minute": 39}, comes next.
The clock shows {"hour": 2, "minute": 43}
